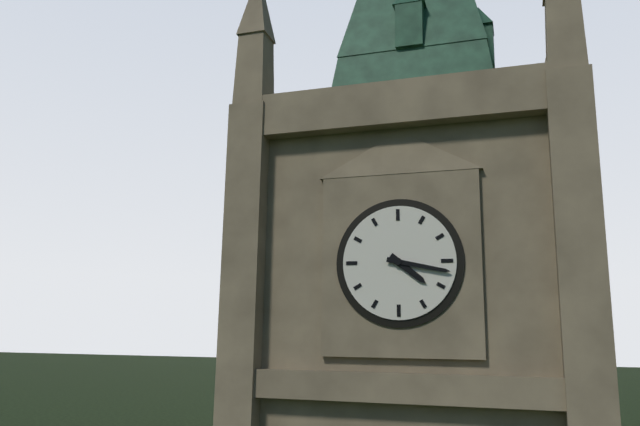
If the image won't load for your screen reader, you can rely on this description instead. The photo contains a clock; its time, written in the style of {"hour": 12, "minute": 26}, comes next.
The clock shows {"hour": 4, "minute": 17}
